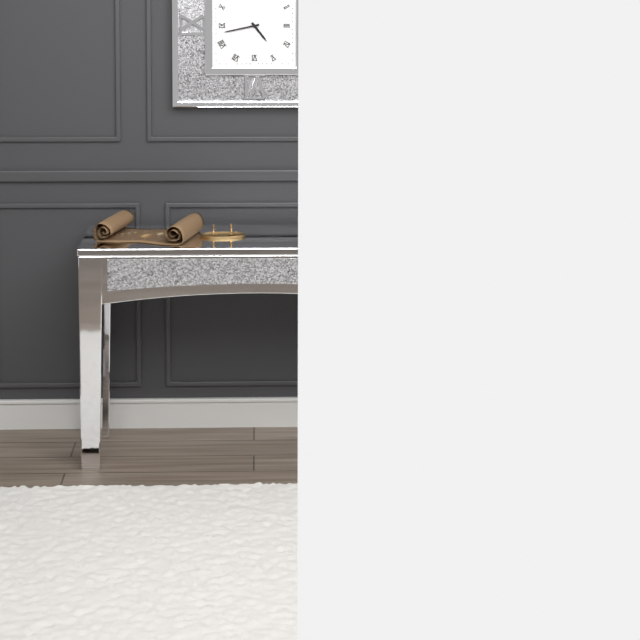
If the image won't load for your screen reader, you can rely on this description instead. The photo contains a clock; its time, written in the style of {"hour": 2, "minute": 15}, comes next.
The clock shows {"hour": 4, "minute": 43}
